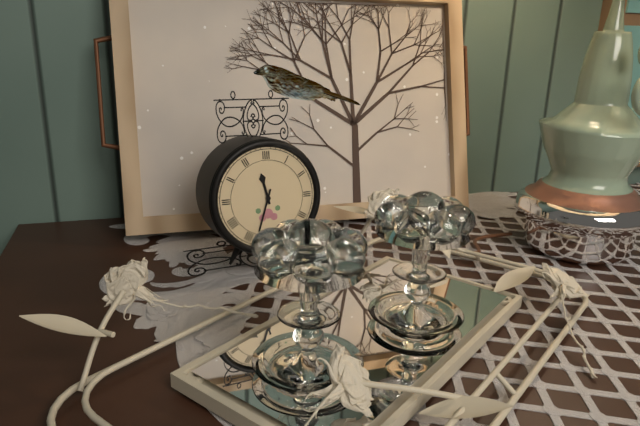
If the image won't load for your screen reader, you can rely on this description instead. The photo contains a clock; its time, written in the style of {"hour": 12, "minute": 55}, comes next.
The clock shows {"hour": 11, "minute": 33}
